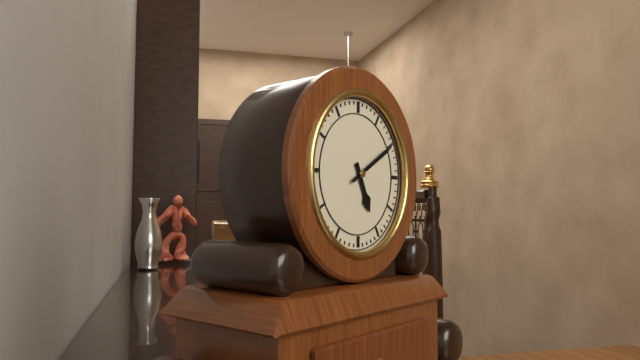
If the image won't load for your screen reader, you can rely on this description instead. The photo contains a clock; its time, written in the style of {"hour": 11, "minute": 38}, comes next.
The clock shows {"hour": 5, "minute": 10}
